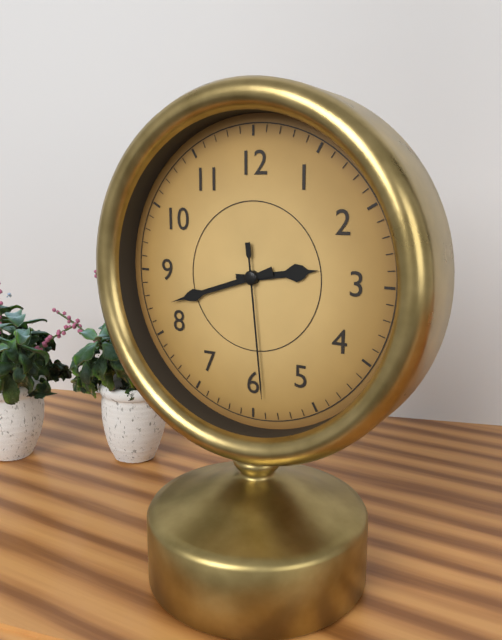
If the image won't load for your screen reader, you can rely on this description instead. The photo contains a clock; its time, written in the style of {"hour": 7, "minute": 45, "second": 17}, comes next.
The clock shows {"hour": 2, "minute": 42, "second": 29}
